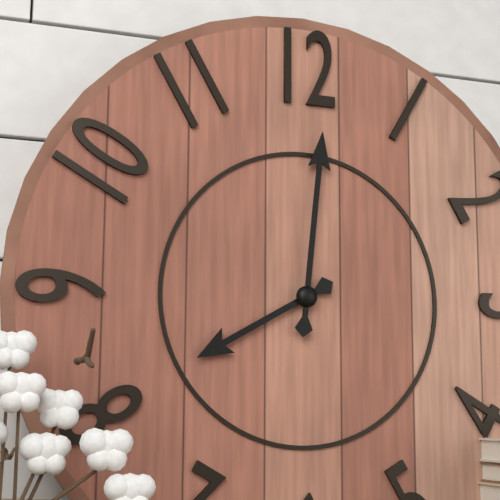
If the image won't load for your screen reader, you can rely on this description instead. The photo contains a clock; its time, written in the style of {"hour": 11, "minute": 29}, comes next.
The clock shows {"hour": 8, "minute": 1}
